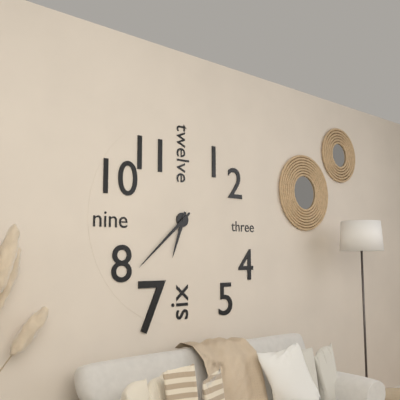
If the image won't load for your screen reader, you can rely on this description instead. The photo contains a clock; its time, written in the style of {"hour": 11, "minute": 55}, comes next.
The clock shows {"hour": 6, "minute": 38}
